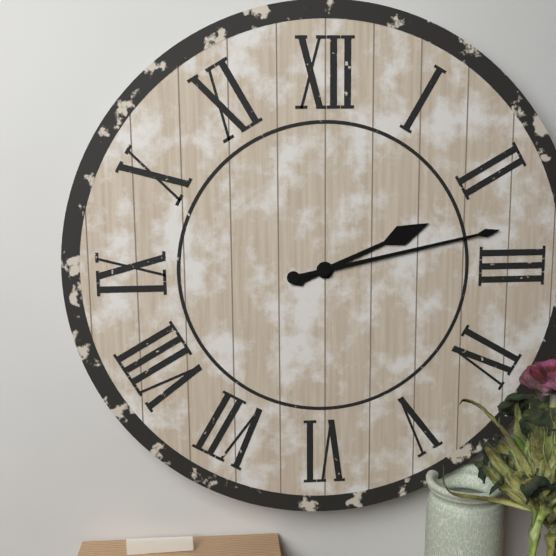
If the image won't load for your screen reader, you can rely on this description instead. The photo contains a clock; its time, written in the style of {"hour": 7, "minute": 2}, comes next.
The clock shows {"hour": 2, "minute": 13}
